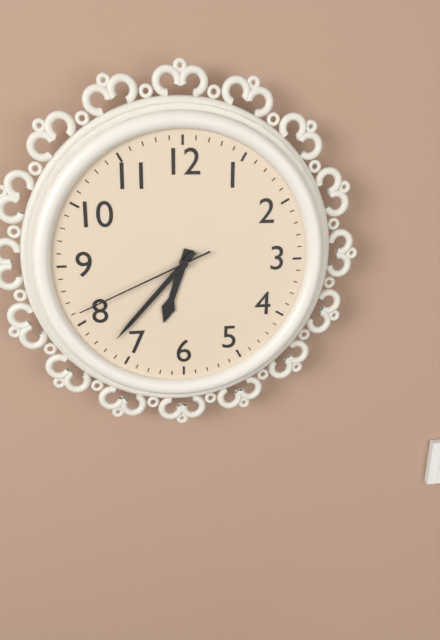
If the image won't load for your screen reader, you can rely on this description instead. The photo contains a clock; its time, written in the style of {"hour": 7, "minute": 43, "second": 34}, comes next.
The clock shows {"hour": 6, "minute": 37, "second": 41}
